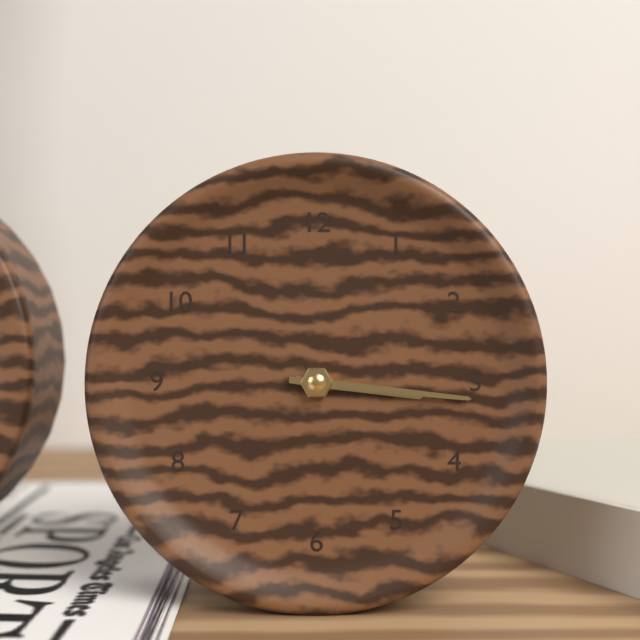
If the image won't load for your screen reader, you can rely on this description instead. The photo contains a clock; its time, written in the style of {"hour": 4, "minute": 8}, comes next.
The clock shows {"hour": 3, "minute": 16}
